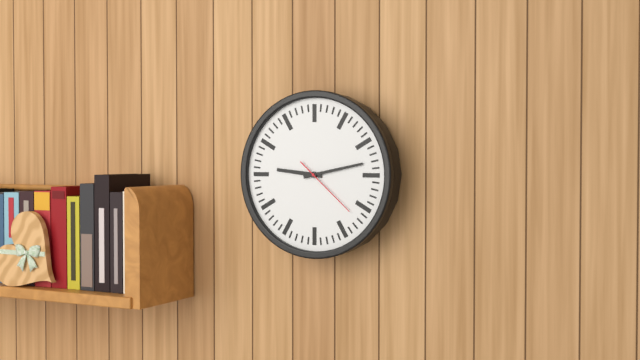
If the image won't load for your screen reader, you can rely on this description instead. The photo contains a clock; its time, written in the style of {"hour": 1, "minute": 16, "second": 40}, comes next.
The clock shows {"hour": 9, "minute": 13, "second": 22}
